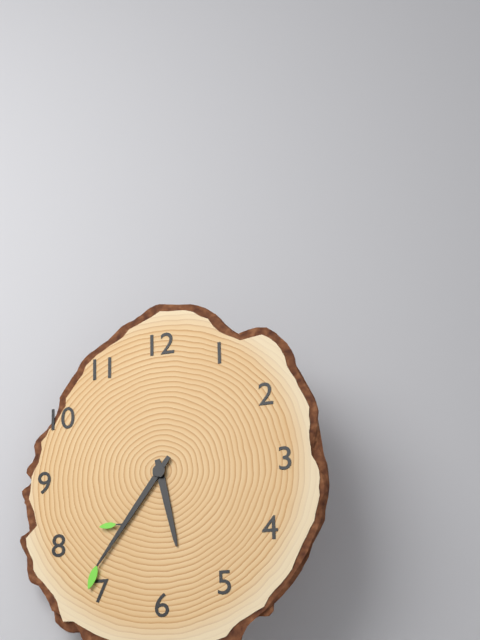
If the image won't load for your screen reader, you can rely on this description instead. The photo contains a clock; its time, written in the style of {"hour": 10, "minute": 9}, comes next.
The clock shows {"hour": 5, "minute": 36}
